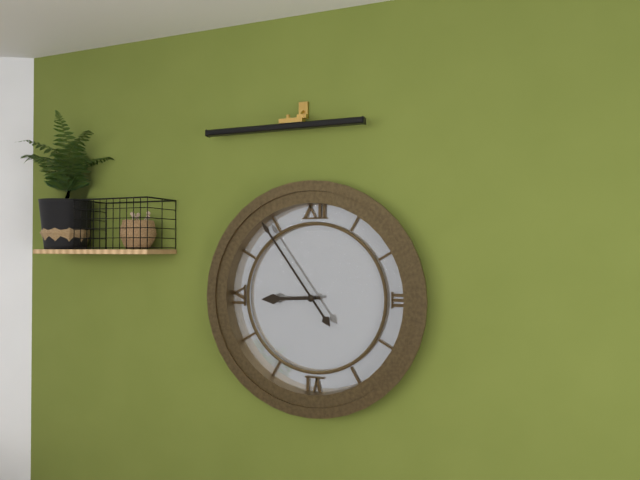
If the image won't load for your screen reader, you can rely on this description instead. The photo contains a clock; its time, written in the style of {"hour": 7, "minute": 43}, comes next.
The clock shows {"hour": 8, "minute": 54}
